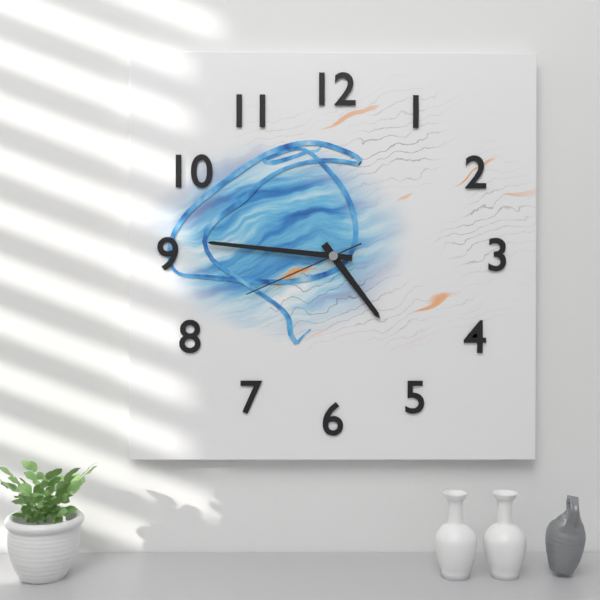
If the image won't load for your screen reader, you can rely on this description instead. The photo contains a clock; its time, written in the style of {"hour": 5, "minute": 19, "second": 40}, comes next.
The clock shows {"hour": 4, "minute": 46, "second": 41}
